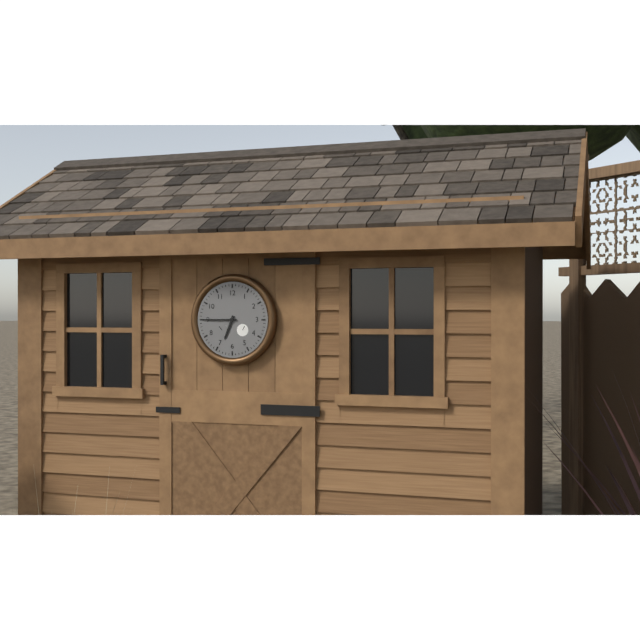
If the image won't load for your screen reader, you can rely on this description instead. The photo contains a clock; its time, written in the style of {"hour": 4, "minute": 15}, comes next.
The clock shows {"hour": 6, "minute": 45}
